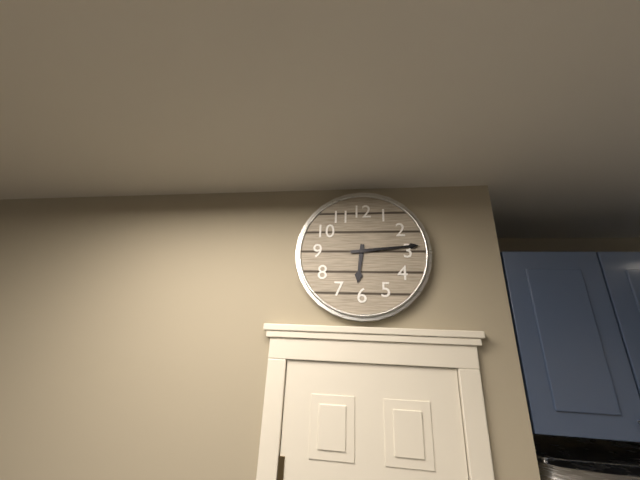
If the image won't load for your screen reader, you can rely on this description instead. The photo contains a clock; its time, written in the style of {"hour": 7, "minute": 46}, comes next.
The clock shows {"hour": 6, "minute": 14}
